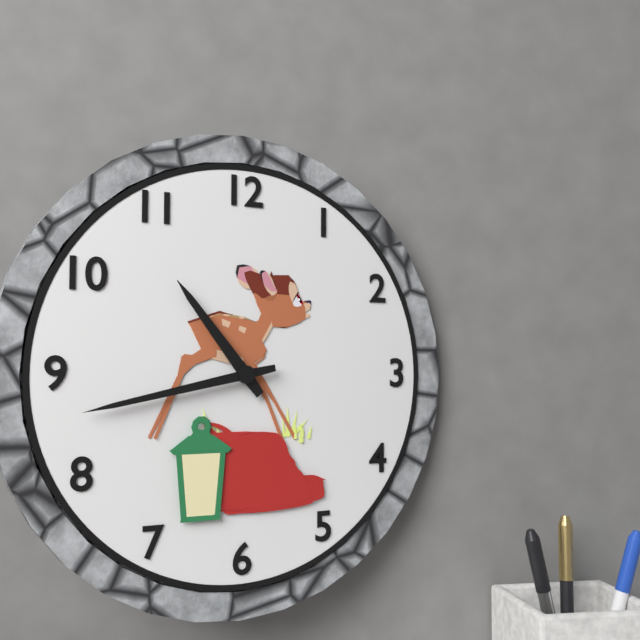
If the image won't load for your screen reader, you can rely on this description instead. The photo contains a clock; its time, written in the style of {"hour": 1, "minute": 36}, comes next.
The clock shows {"hour": 10, "minute": 43}
